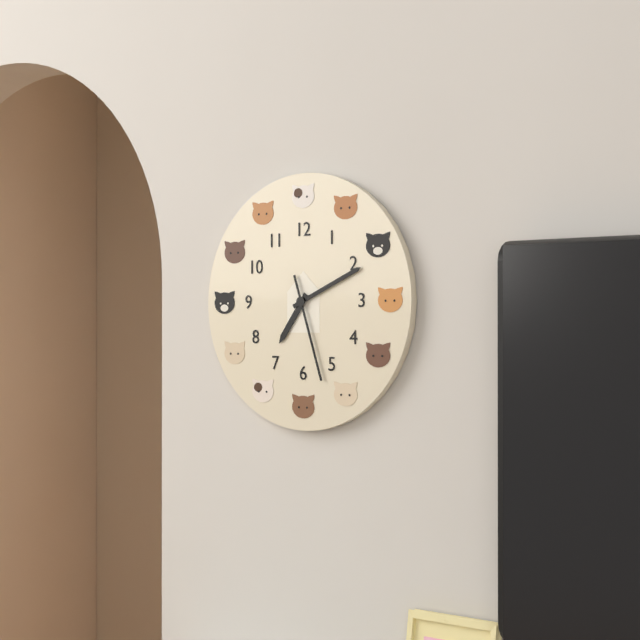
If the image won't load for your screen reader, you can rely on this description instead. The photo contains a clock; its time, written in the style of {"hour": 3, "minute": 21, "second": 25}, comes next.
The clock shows {"hour": 7, "minute": 11, "second": 27}
